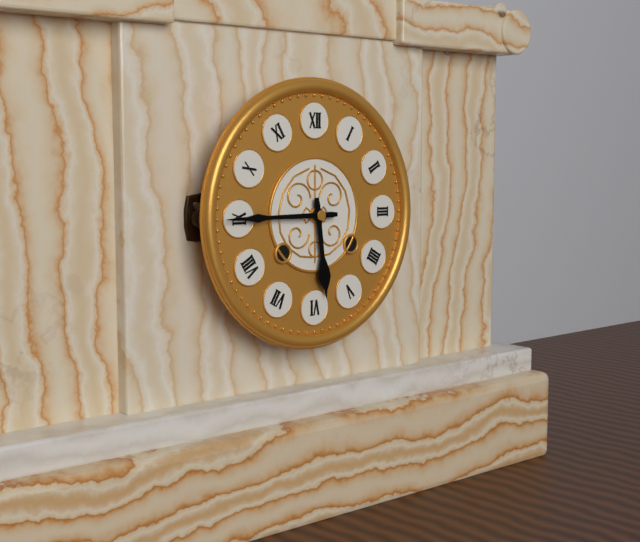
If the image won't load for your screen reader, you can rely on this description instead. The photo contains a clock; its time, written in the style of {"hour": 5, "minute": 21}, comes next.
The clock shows {"hour": 5, "minute": 45}
